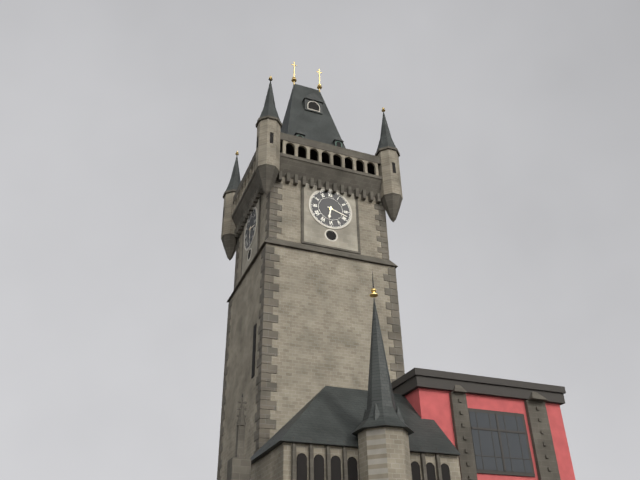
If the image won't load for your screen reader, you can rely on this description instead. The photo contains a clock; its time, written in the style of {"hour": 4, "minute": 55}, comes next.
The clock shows {"hour": 6, "minute": 18}
